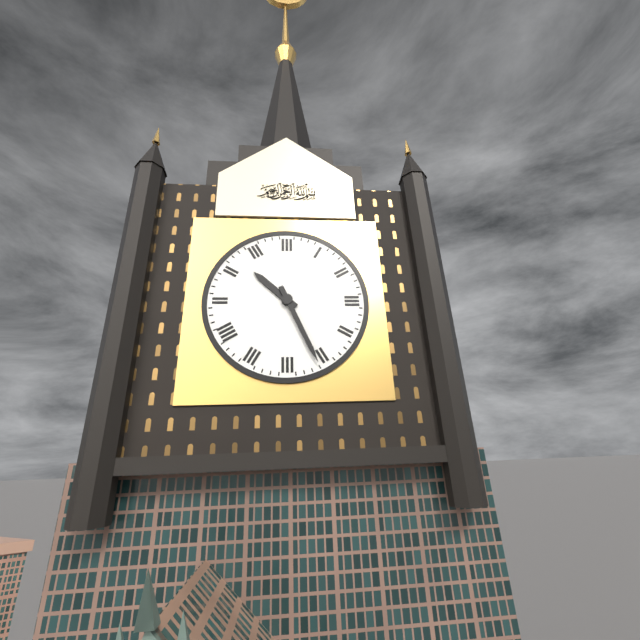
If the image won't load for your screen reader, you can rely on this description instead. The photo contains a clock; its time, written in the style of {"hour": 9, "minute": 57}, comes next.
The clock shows {"hour": 10, "minute": 26}
